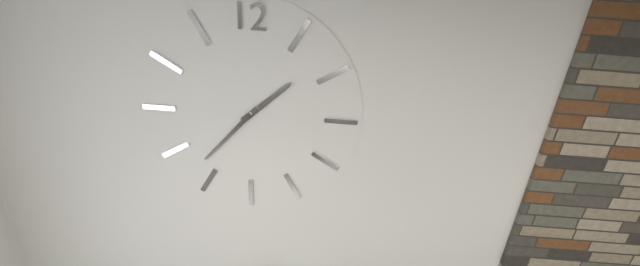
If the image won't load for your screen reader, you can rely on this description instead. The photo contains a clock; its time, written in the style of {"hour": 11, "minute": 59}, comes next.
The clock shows {"hour": 1, "minute": 37}
